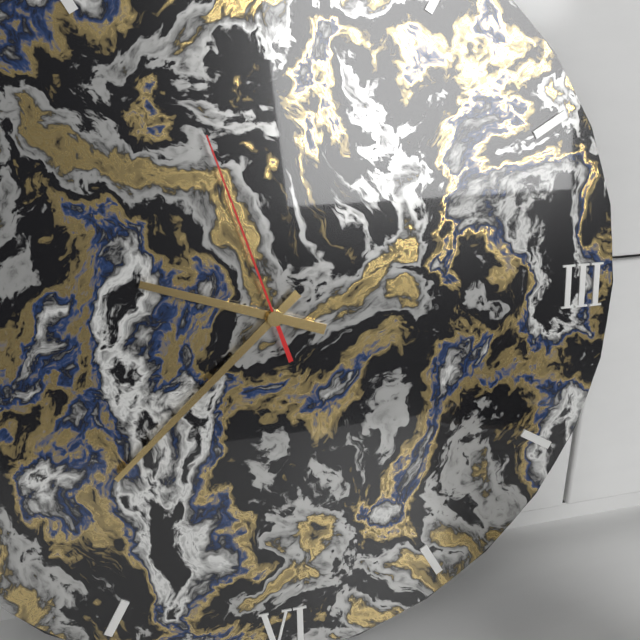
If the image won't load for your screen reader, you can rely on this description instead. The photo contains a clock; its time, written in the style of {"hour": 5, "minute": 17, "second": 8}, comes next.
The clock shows {"hour": 9, "minute": 38, "second": 57}
